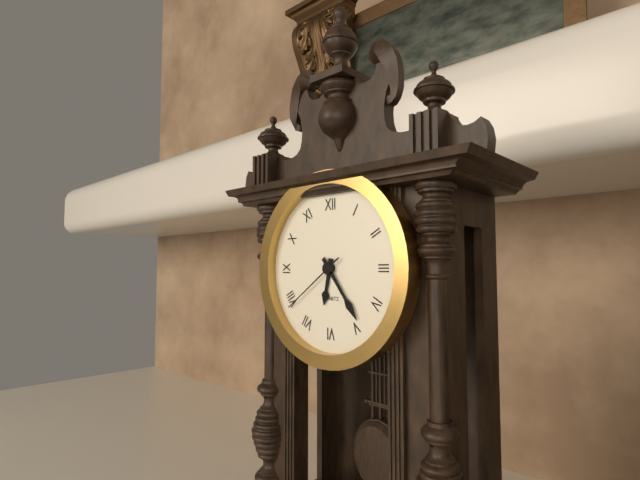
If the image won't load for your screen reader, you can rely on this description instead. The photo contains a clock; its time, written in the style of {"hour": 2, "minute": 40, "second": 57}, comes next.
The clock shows {"hour": 6, "minute": 24, "second": 39}
